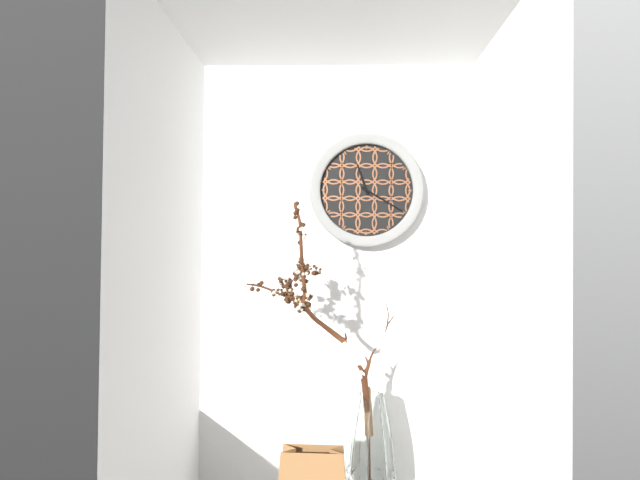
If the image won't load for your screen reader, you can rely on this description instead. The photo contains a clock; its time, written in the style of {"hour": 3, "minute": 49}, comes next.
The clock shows {"hour": 11, "minute": 20}
